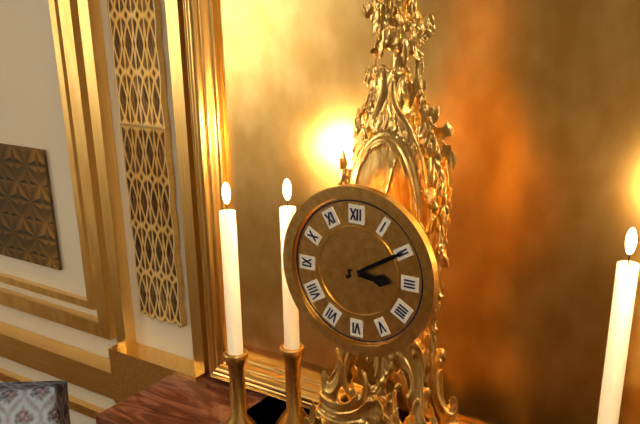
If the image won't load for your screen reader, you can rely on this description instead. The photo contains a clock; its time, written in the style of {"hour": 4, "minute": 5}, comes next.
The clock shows {"hour": 3, "minute": 10}
